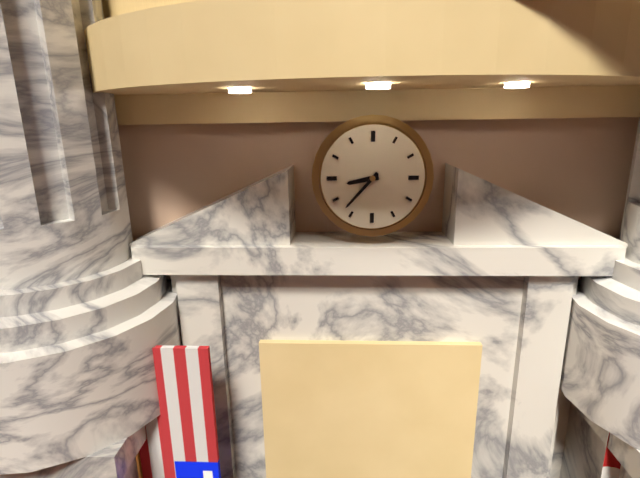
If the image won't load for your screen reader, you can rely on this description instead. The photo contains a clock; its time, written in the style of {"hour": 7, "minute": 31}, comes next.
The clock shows {"hour": 8, "minute": 37}
